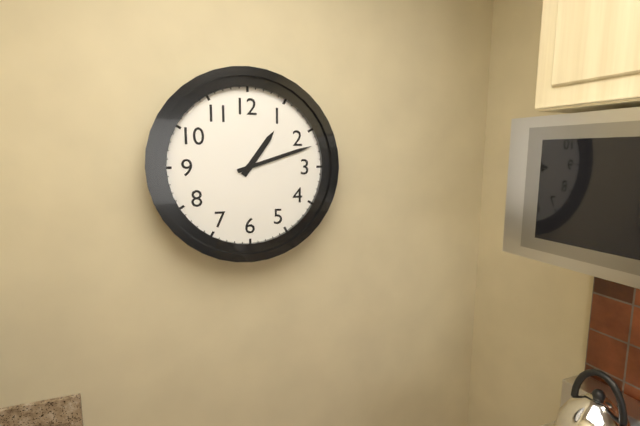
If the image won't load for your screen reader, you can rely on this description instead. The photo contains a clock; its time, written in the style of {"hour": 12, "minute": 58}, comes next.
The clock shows {"hour": 1, "minute": 12}
